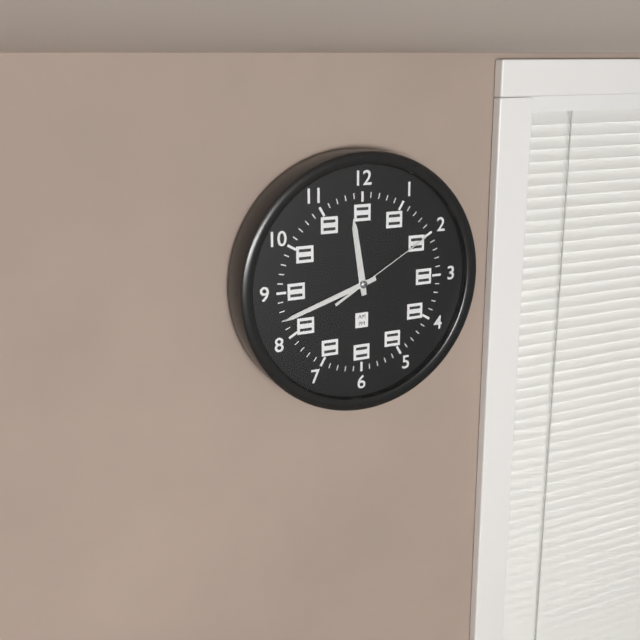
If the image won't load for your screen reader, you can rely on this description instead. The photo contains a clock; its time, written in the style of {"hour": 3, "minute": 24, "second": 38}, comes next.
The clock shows {"hour": 11, "minute": 42, "second": 10}
